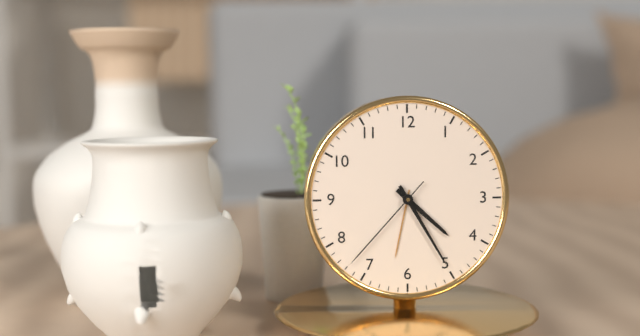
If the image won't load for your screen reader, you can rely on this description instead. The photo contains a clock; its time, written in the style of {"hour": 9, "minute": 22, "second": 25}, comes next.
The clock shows {"hour": 4, "minute": 25, "second": 37}
